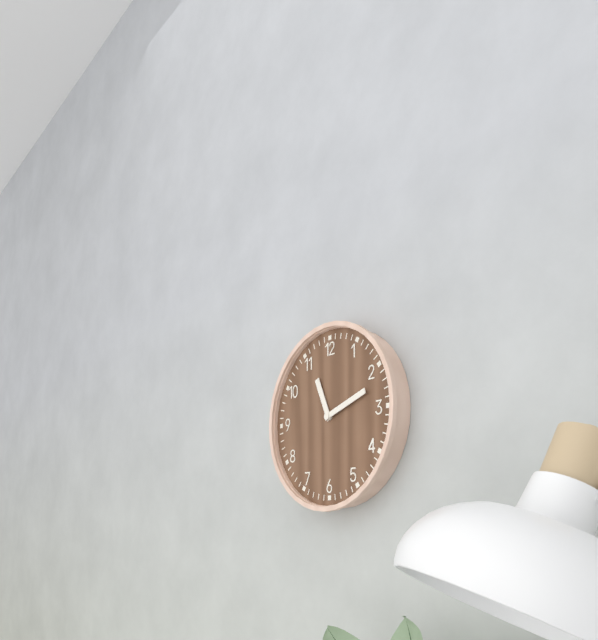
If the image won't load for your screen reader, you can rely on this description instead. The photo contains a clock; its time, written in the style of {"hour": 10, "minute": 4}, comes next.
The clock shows {"hour": 11, "minute": 12}
